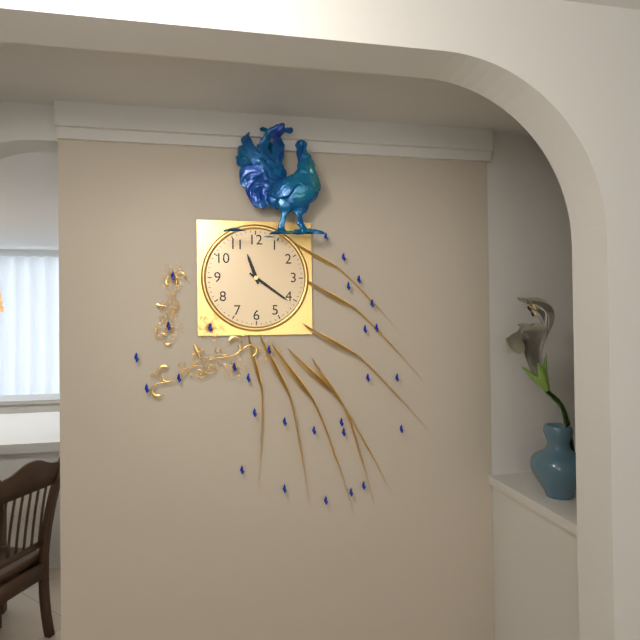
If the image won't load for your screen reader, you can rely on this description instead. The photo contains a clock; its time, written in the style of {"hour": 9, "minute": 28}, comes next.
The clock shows {"hour": 11, "minute": 21}
